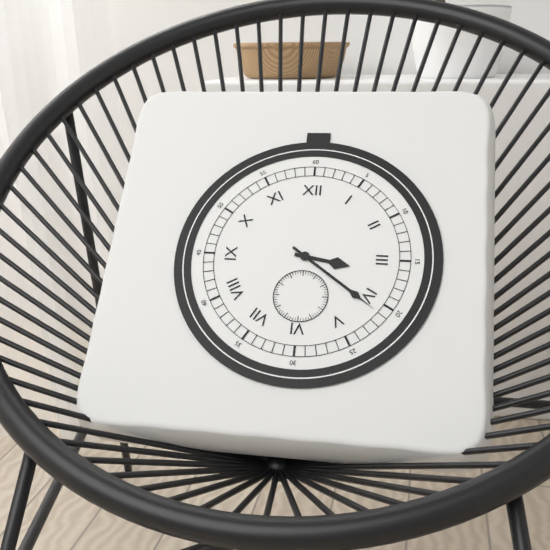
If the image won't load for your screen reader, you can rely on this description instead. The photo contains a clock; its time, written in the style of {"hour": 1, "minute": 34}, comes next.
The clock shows {"hour": 3, "minute": 21}
